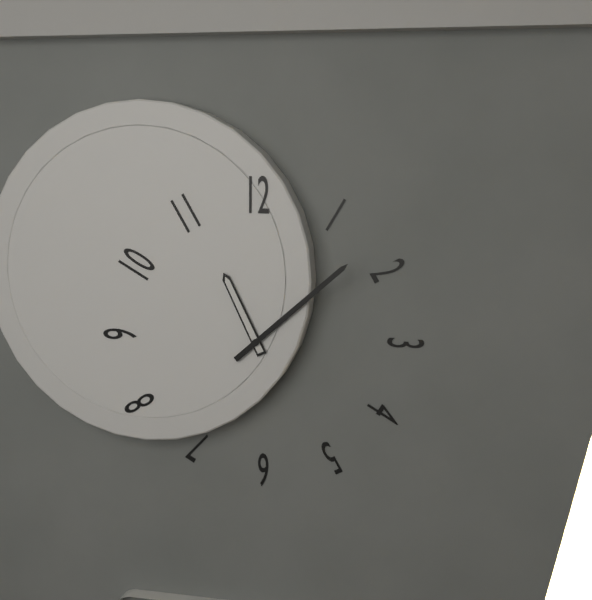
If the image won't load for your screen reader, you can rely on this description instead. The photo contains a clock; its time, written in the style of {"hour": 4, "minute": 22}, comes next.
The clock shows {"hour": 11, "minute": 8}
